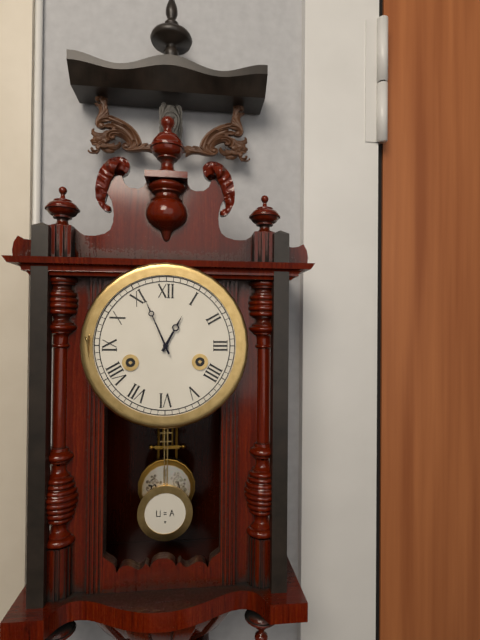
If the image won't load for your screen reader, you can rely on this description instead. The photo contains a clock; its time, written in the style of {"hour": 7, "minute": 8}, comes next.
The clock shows {"hour": 12, "minute": 56}
